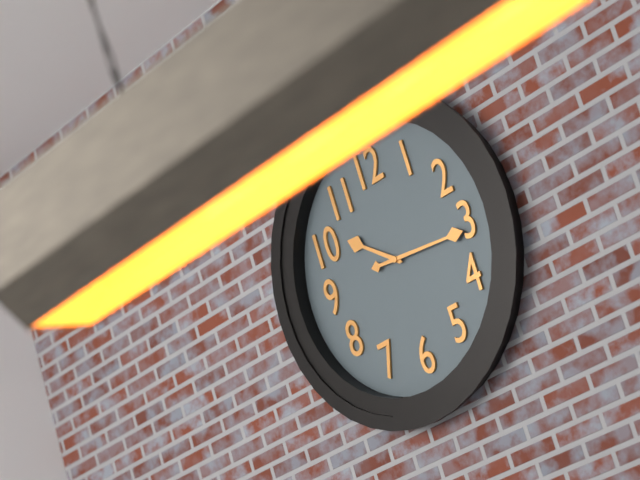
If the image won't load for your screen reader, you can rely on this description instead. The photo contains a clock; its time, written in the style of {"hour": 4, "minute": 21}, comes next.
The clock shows {"hour": 10, "minute": 16}
